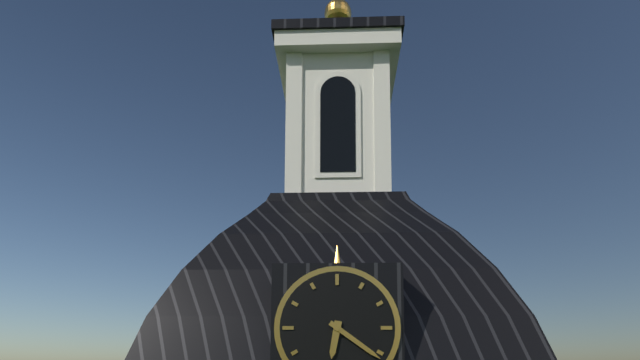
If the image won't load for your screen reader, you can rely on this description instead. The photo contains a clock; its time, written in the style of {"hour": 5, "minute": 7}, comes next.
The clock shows {"hour": 6, "minute": 21}
